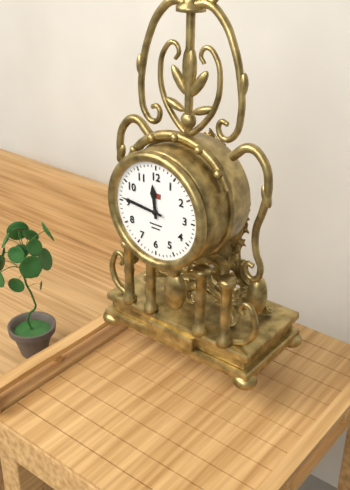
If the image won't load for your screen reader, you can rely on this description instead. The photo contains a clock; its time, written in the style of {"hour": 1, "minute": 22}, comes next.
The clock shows {"hour": 11, "minute": 46}
